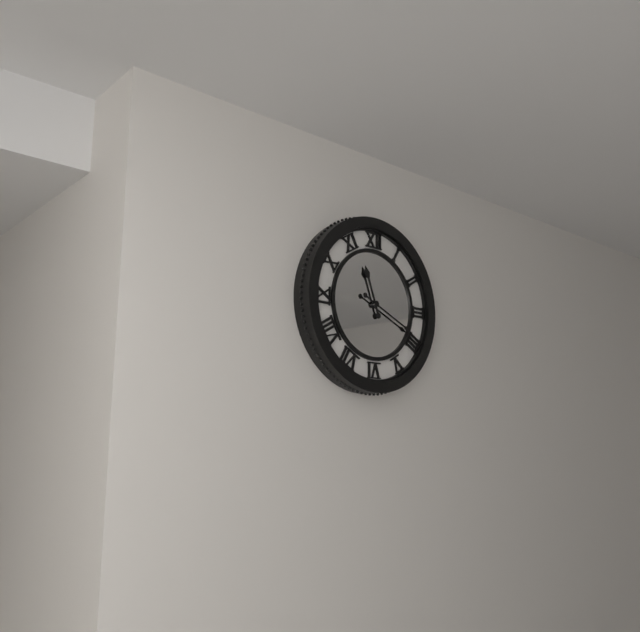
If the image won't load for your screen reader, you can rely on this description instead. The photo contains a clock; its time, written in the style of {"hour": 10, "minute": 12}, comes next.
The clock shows {"hour": 11, "minute": 19}
